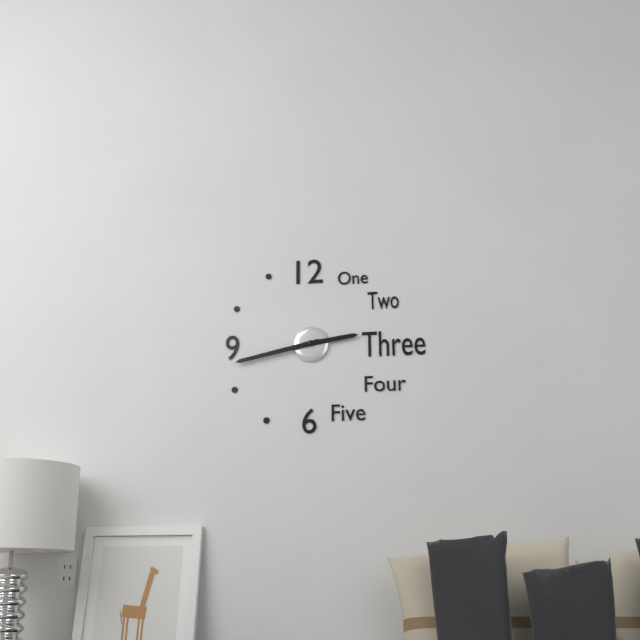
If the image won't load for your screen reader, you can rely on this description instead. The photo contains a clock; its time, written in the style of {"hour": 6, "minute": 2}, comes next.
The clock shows {"hour": 2, "minute": 43}
